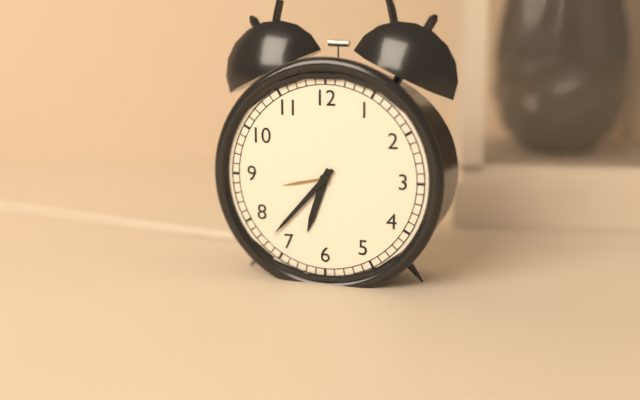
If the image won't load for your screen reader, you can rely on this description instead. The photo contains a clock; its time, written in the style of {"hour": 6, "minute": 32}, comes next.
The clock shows {"hour": 6, "minute": 37}
